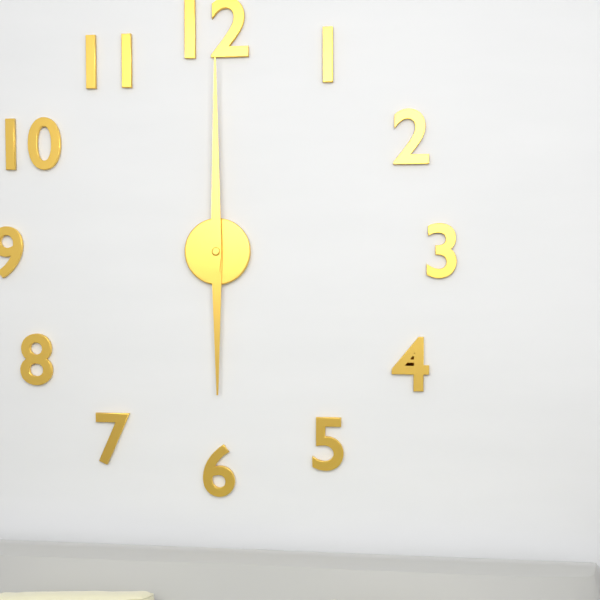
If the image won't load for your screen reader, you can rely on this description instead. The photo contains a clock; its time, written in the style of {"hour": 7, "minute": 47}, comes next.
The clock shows {"hour": 6, "minute": 0}
